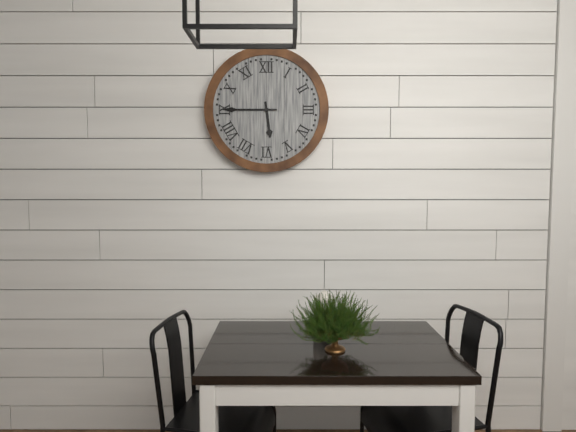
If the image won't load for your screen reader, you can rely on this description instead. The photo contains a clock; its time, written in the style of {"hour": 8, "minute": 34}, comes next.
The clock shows {"hour": 5, "minute": 45}
